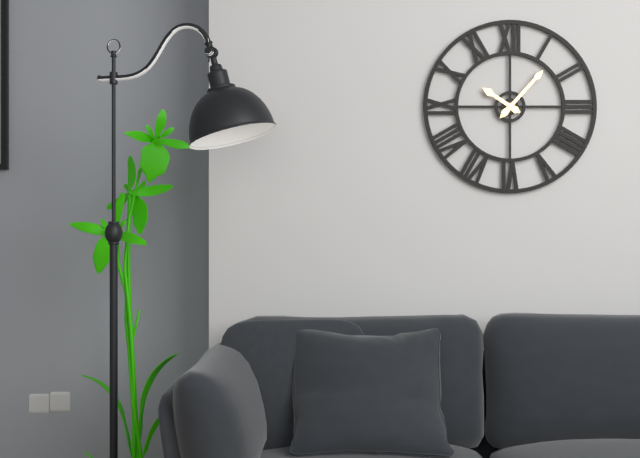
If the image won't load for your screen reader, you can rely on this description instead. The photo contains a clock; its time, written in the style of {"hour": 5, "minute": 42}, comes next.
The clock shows {"hour": 10, "minute": 7}
